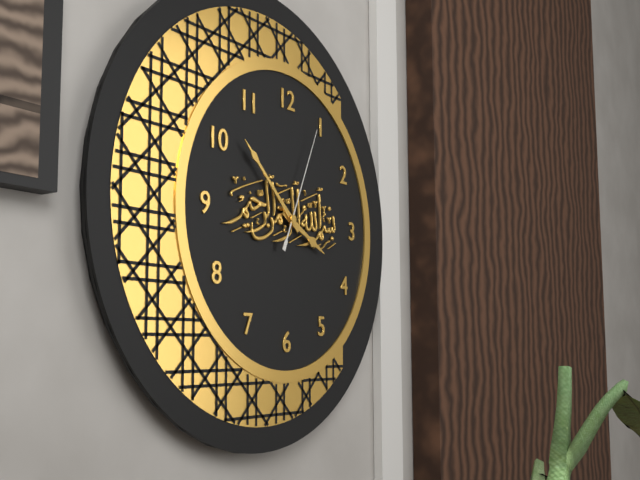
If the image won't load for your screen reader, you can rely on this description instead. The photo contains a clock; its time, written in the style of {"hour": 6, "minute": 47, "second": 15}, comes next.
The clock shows {"hour": 3, "minute": 52, "second": 4}
